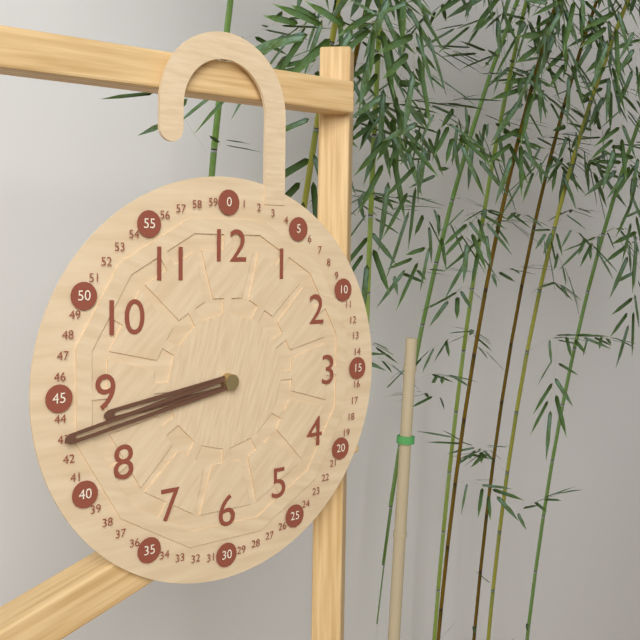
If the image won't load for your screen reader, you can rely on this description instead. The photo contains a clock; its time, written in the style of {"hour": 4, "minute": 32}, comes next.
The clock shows {"hour": 8, "minute": 43}
